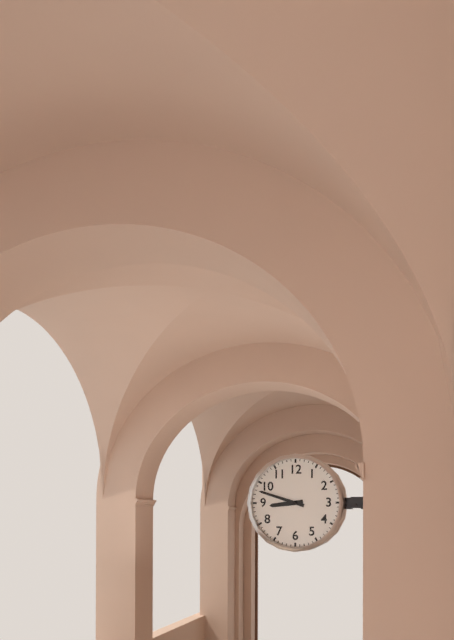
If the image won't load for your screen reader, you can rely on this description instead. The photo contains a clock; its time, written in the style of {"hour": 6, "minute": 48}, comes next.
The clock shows {"hour": 8, "minute": 48}
